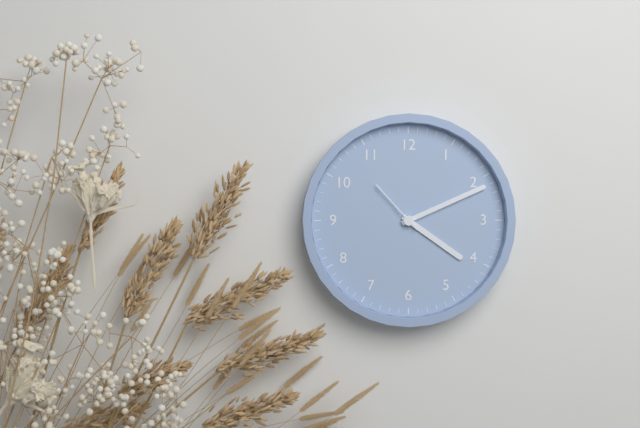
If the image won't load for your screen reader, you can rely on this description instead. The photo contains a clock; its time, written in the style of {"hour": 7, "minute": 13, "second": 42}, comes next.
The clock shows {"hour": 4, "minute": 11, "second": 53}
